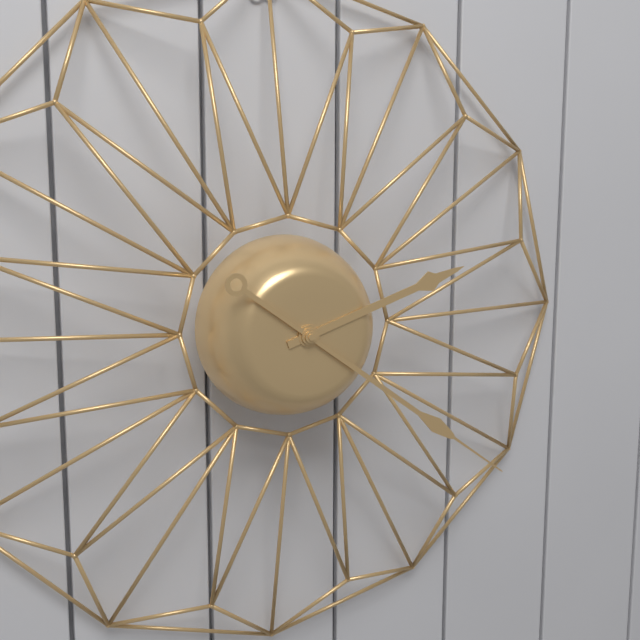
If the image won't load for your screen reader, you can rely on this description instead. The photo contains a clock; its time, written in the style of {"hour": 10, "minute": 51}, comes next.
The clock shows {"hour": 2, "minute": 21}
